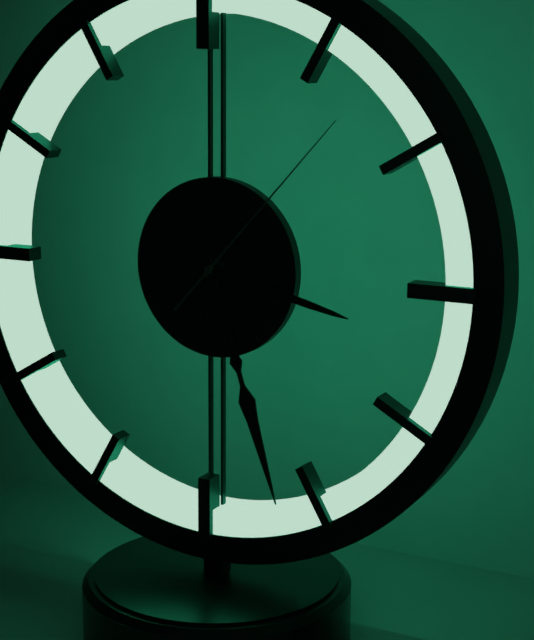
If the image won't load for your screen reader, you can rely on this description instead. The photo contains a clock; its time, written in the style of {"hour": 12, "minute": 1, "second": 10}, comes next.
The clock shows {"hour": 3, "minute": 27, "second": 7}
